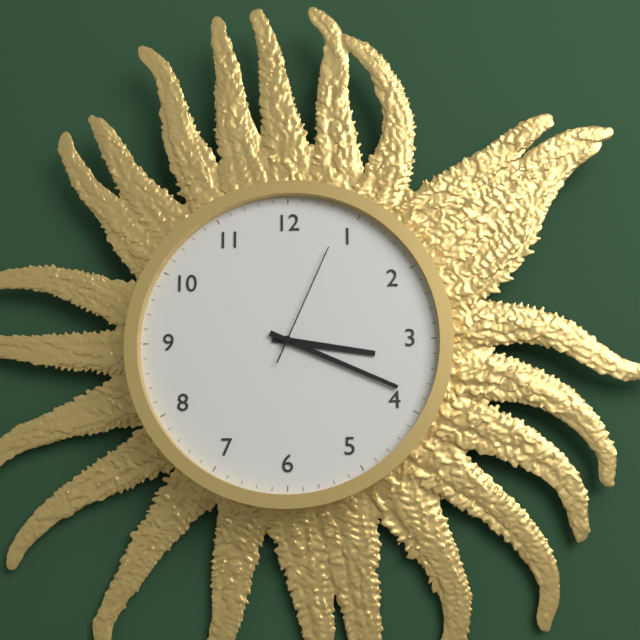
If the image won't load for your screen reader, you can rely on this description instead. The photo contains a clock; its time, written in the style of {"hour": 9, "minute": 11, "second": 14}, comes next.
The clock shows {"hour": 3, "minute": 19, "second": 4}
